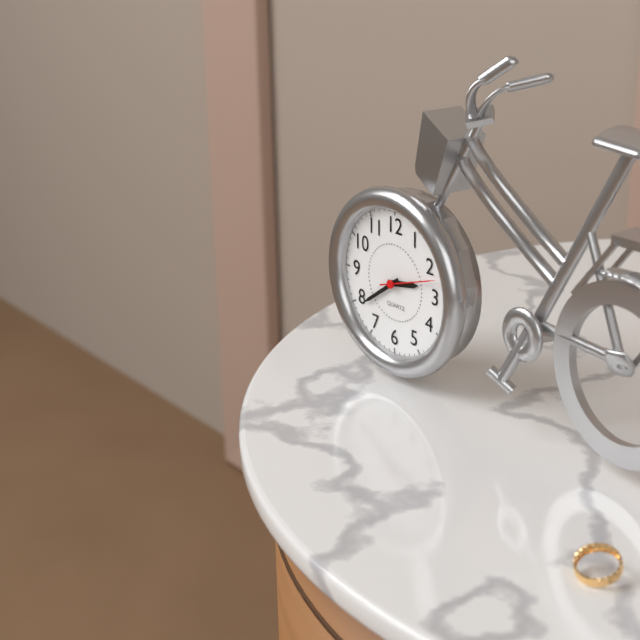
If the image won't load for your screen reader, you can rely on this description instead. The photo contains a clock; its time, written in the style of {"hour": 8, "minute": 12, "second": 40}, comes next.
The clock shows {"hour": 2, "minute": 39, "second": 12}
